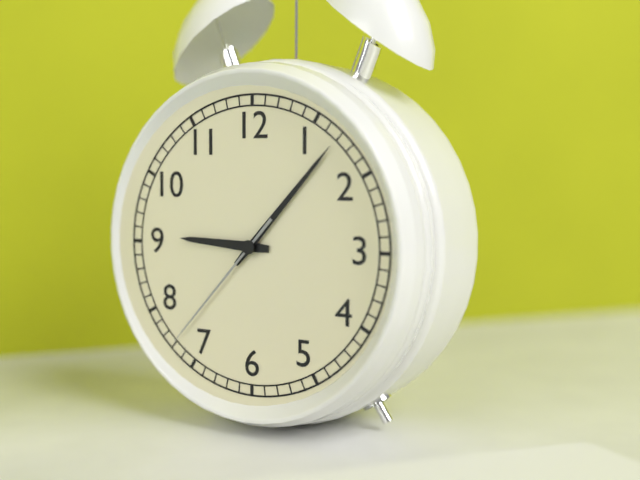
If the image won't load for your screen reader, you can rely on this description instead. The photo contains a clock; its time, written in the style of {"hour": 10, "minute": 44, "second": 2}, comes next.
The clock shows {"hour": 9, "minute": 7, "second": 37}
